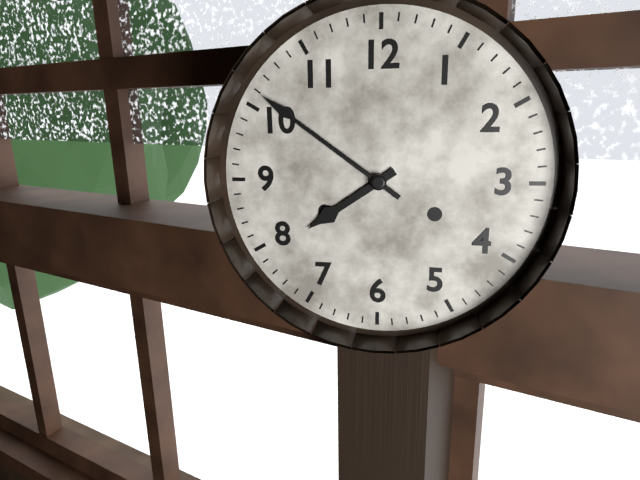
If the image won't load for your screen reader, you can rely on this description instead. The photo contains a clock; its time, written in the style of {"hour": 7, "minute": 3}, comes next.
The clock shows {"hour": 7, "minute": 51}
